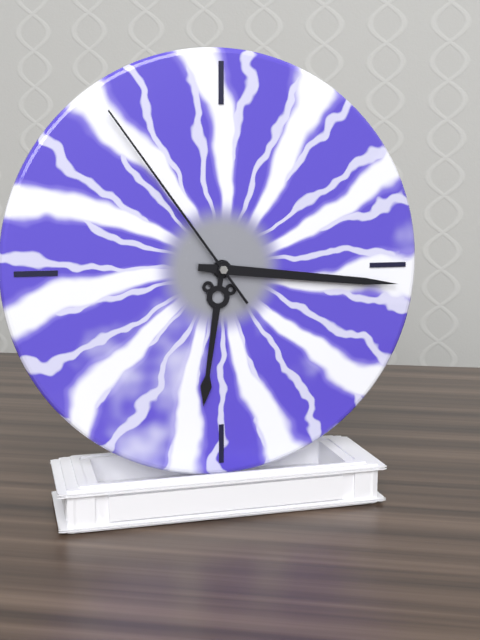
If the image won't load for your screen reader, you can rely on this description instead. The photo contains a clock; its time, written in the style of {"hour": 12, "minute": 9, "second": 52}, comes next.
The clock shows {"hour": 6, "minute": 16, "second": 54}
